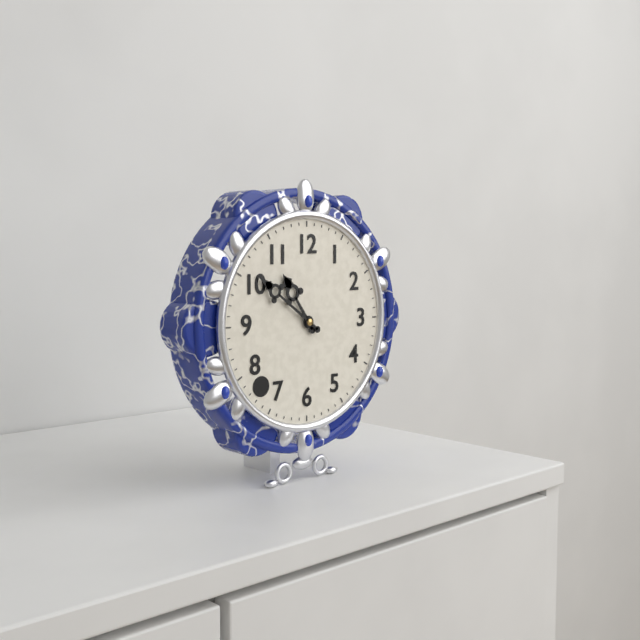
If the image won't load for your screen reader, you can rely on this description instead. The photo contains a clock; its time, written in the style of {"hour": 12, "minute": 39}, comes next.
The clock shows {"hour": 10, "minute": 51}
